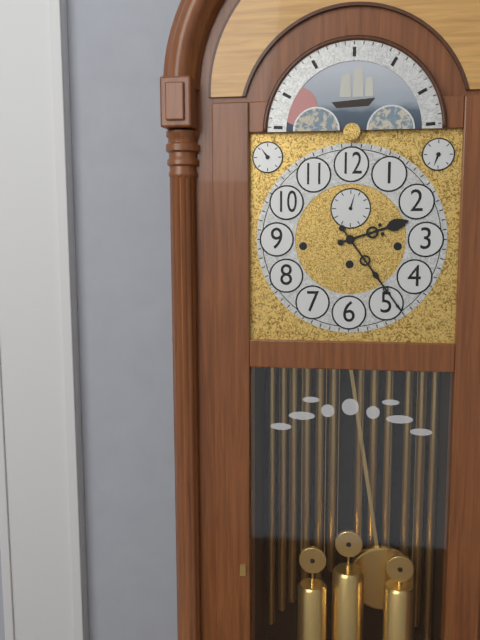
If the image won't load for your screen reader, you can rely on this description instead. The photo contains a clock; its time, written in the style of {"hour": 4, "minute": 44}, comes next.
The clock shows {"hour": 2, "minute": 24}
